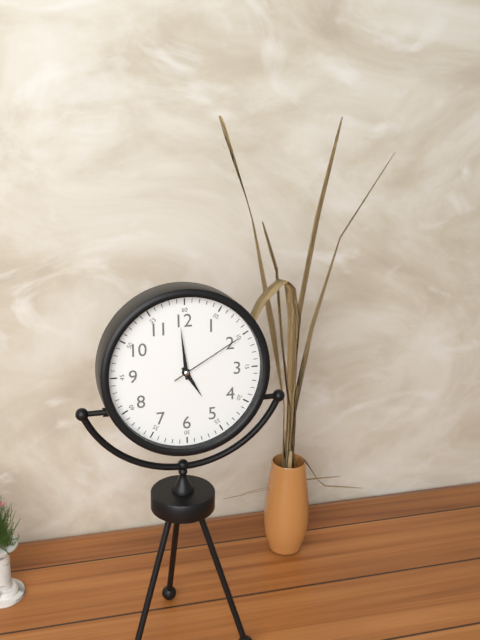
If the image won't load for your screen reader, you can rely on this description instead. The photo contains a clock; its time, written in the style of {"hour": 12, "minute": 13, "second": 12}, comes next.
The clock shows {"hour": 4, "minute": 59, "second": 10}
